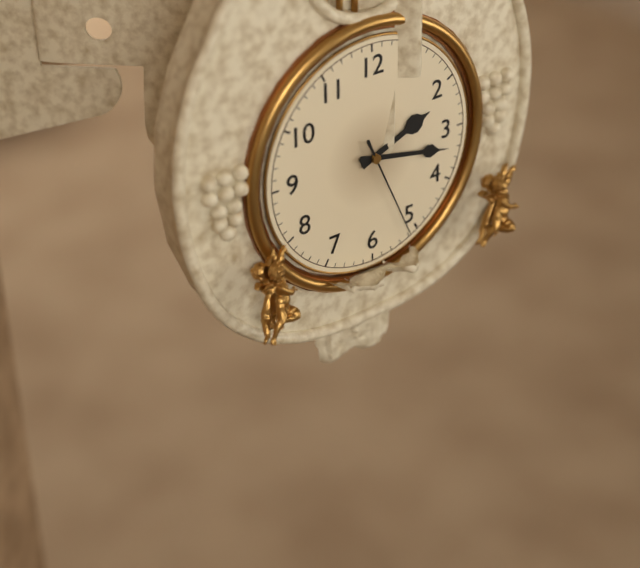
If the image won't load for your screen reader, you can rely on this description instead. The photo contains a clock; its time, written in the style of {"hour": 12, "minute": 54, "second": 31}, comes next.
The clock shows {"hour": 2, "minute": 17, "second": 26}
